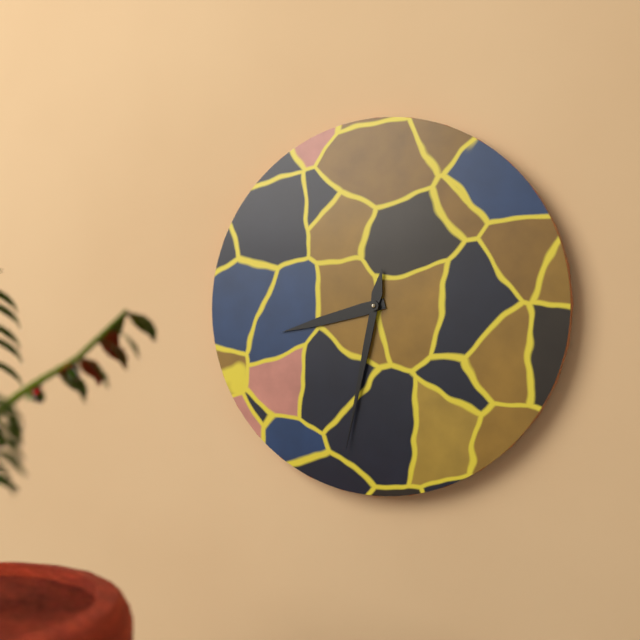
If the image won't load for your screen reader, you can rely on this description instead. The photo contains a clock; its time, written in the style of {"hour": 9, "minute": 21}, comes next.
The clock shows {"hour": 8, "minute": 32}
